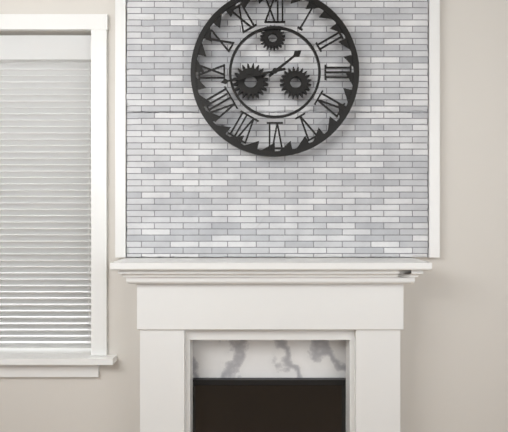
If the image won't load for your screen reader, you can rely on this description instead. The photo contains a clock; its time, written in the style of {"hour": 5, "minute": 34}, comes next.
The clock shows {"hour": 1, "minute": 43}
